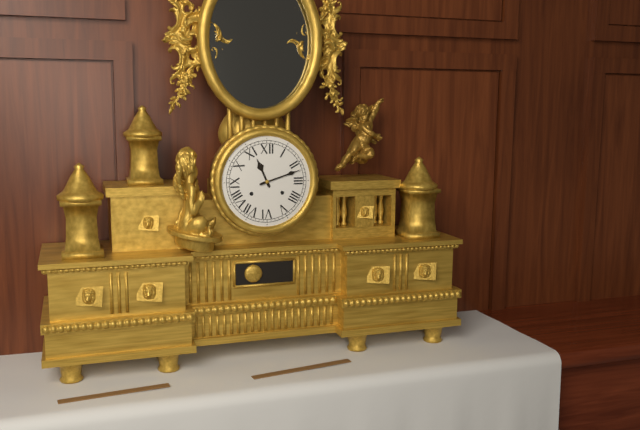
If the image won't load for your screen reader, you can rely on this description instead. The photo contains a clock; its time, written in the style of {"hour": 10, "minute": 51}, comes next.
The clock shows {"hour": 11, "minute": 12}
